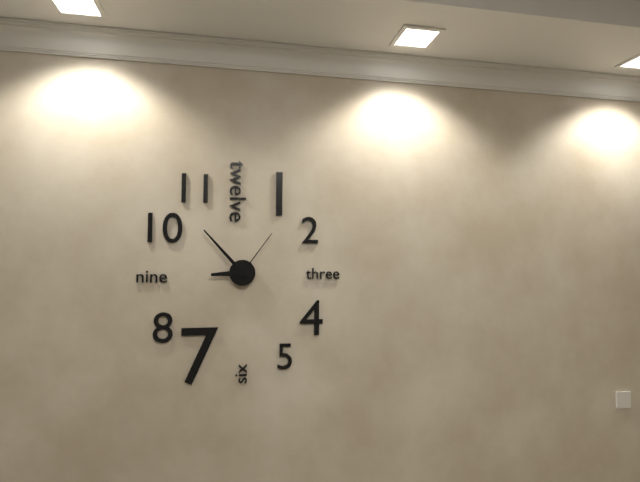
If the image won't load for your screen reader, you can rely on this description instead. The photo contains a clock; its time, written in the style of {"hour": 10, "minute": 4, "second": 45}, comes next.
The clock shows {"hour": 8, "minute": 53, "second": 6}
